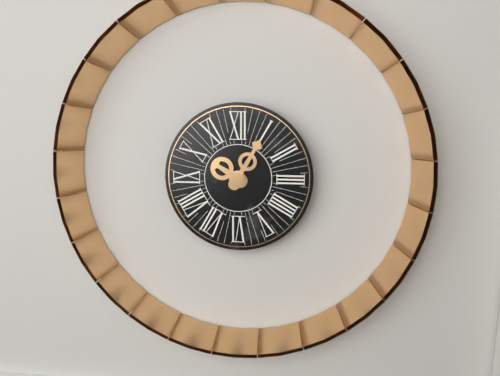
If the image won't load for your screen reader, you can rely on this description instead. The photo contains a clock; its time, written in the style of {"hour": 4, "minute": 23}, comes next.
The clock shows {"hour": 10, "minute": 5}
